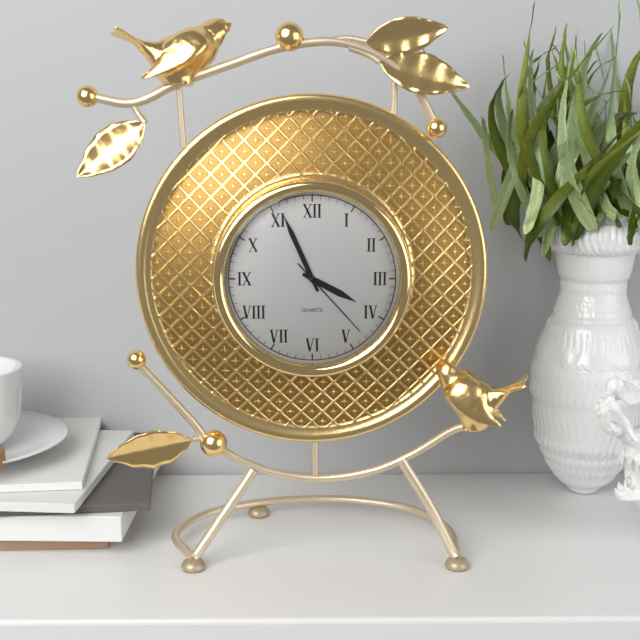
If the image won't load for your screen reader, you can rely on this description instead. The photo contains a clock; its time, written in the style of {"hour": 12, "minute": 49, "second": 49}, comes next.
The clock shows {"hour": 3, "minute": 56, "second": 23}
